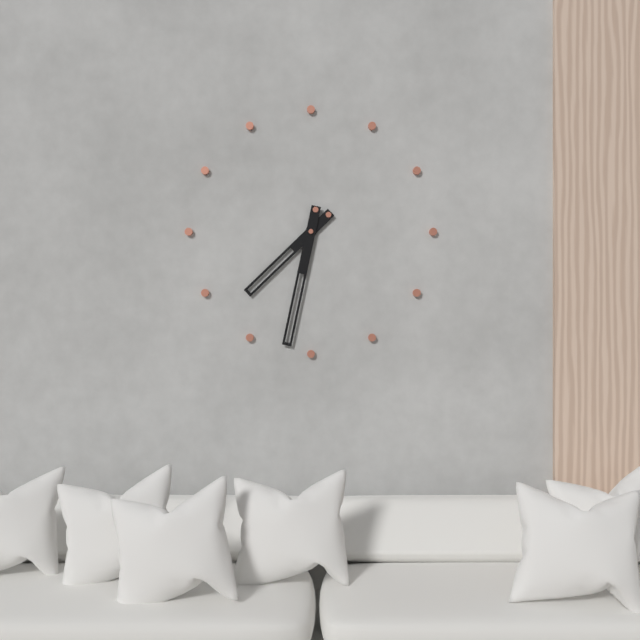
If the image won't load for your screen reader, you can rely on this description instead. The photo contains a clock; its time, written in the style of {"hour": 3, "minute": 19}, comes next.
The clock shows {"hour": 7, "minute": 32}
